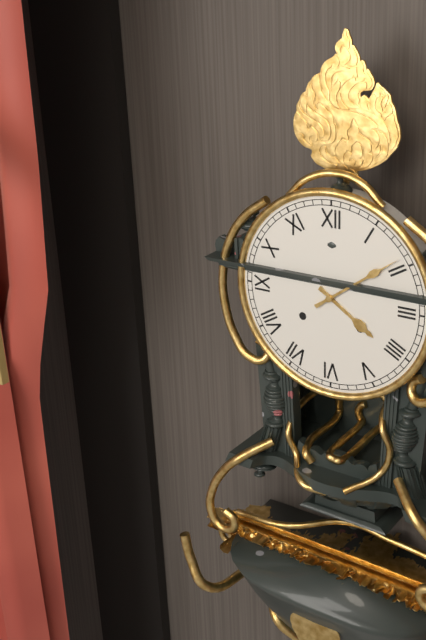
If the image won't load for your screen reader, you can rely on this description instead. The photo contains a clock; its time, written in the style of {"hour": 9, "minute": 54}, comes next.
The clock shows {"hour": 4, "minute": 9}
